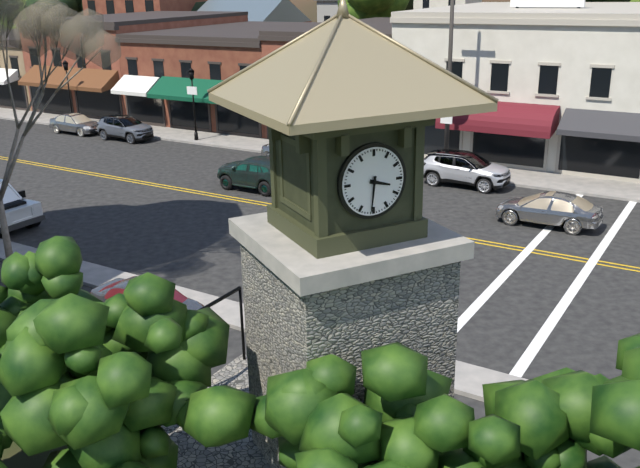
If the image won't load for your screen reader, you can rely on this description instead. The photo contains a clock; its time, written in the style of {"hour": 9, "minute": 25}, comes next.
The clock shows {"hour": 3, "minute": 31}
